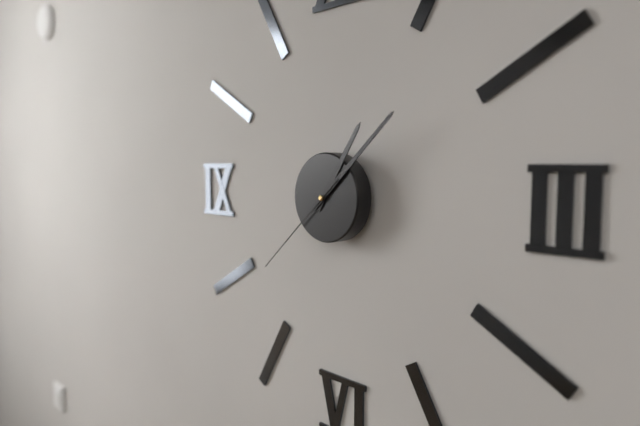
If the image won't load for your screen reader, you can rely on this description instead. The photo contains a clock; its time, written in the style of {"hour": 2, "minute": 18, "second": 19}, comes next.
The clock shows {"hour": 1, "minute": 8, "second": 38}
